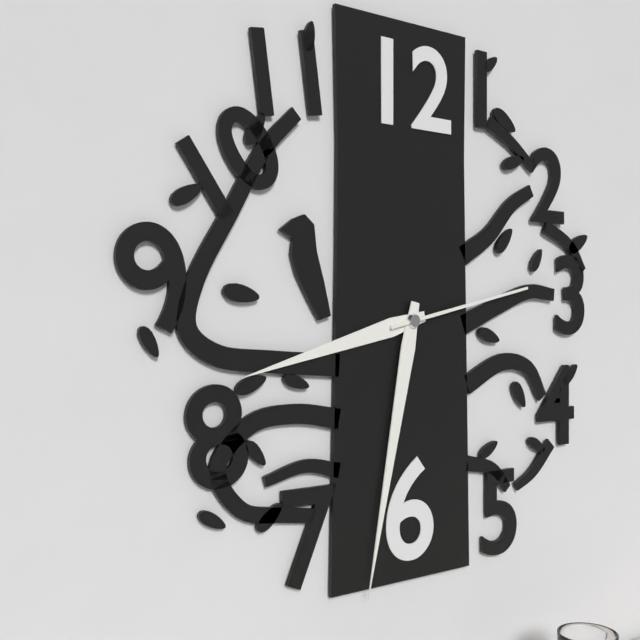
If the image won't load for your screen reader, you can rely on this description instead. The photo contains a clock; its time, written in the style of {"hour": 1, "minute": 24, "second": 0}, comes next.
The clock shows {"hour": 8, "minute": 32, "second": 13}
